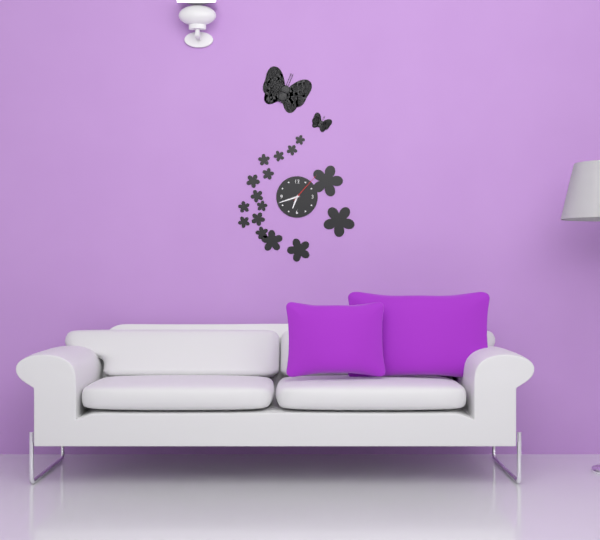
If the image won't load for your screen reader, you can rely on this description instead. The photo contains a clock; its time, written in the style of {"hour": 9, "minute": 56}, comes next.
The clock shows {"hour": 6, "minute": 42}
